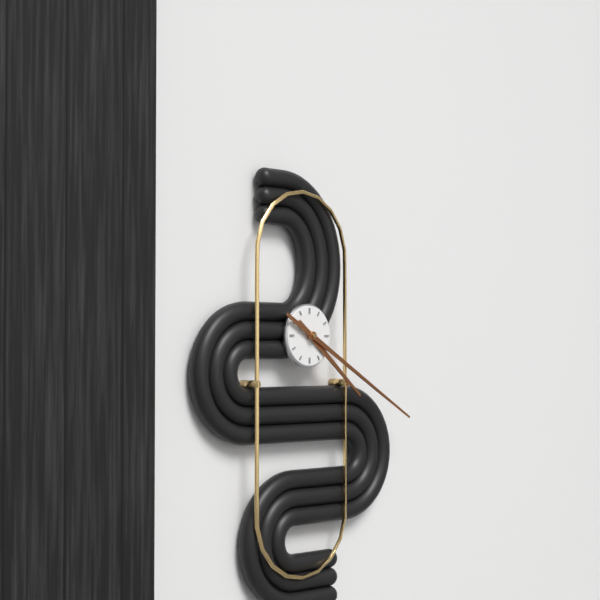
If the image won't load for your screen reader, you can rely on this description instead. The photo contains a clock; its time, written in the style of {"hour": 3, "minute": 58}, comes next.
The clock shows {"hour": 4, "minute": 20}
